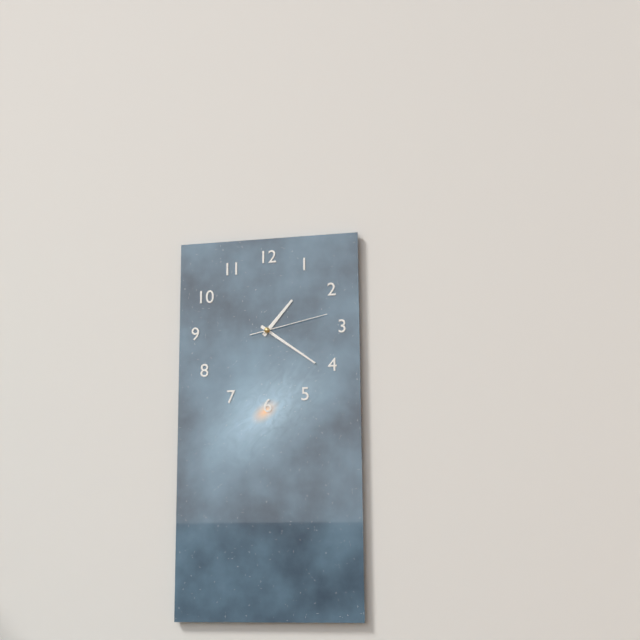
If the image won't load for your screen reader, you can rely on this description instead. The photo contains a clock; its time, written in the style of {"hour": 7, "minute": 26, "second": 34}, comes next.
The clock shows {"hour": 1, "minute": 21, "second": 13}
